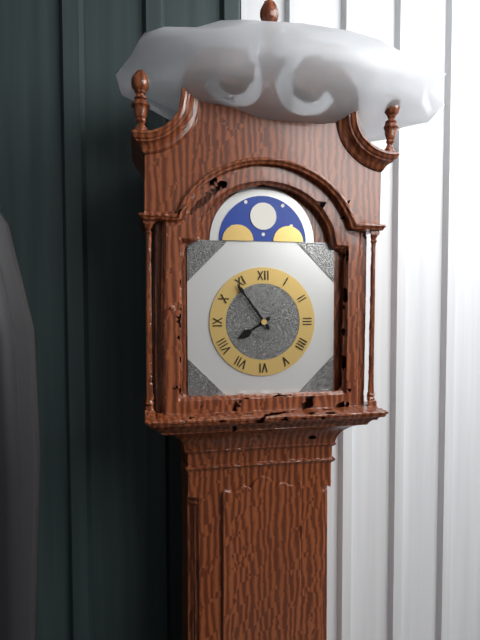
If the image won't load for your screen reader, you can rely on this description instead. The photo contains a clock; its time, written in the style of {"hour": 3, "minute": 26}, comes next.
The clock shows {"hour": 7, "minute": 54}
